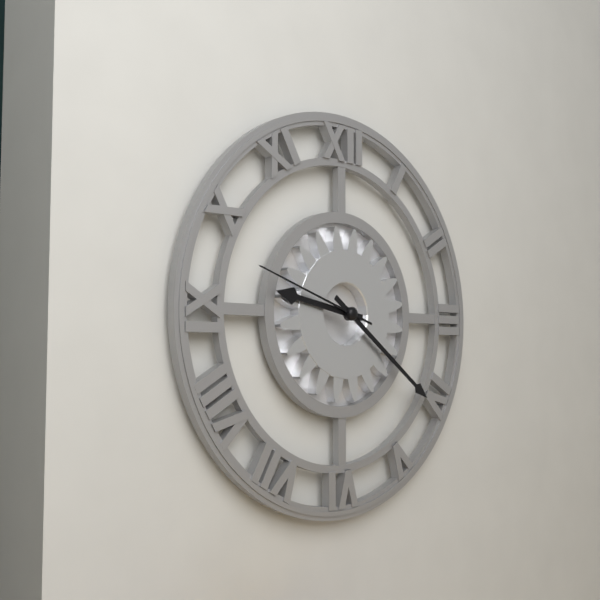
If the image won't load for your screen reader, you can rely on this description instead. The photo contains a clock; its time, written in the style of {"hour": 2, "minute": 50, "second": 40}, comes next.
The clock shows {"hour": 9, "minute": 21, "second": 48}
